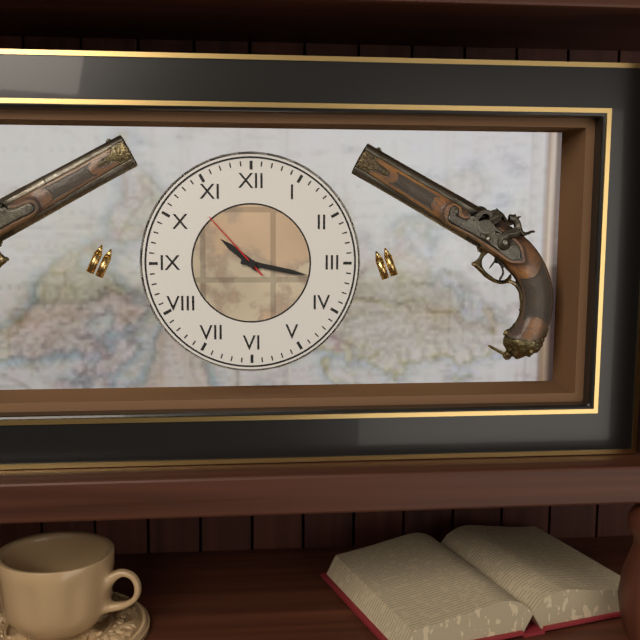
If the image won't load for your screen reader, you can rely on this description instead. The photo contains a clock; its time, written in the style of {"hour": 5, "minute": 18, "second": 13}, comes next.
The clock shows {"hour": 10, "minute": 17, "second": 53}
